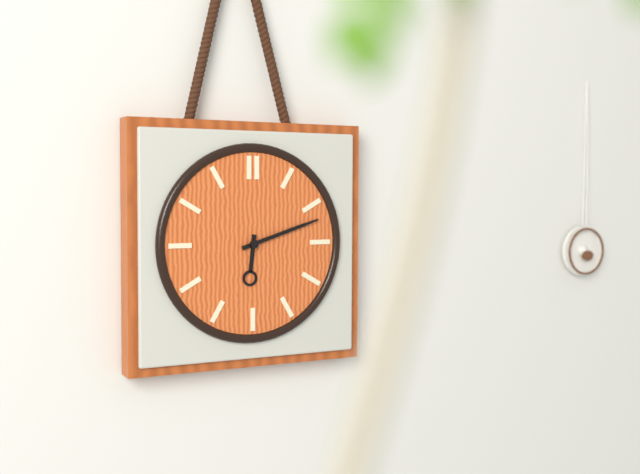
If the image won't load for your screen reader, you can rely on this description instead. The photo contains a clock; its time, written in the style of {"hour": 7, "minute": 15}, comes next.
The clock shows {"hour": 6, "minute": 12}
